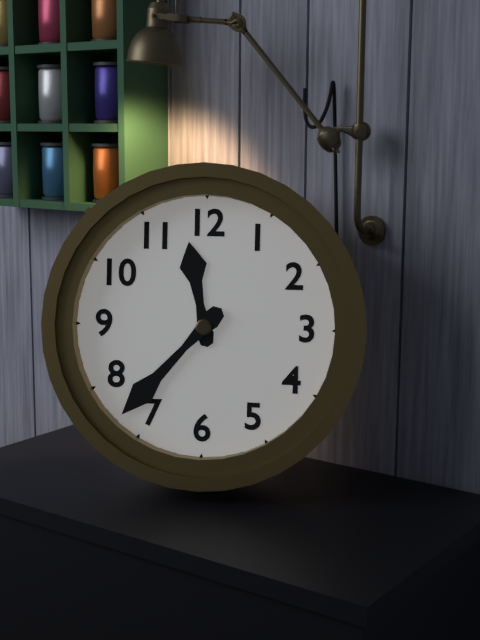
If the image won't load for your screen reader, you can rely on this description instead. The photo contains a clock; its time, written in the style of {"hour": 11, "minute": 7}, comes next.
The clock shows {"hour": 11, "minute": 37}
